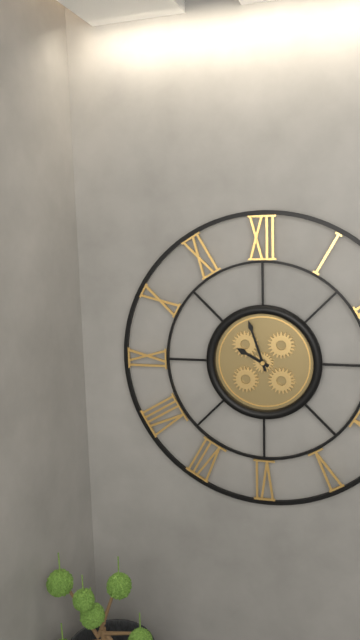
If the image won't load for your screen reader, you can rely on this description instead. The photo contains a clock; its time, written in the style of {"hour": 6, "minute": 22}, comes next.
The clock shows {"hour": 9, "minute": 57}
